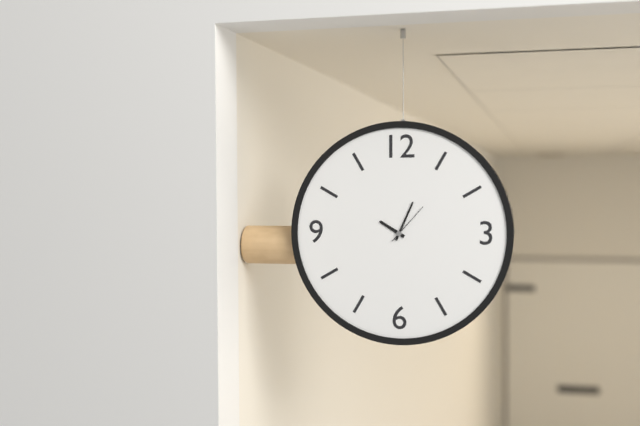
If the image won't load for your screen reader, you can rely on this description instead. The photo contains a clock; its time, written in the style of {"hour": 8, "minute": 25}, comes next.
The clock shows {"hour": 10, "minute": 4}
